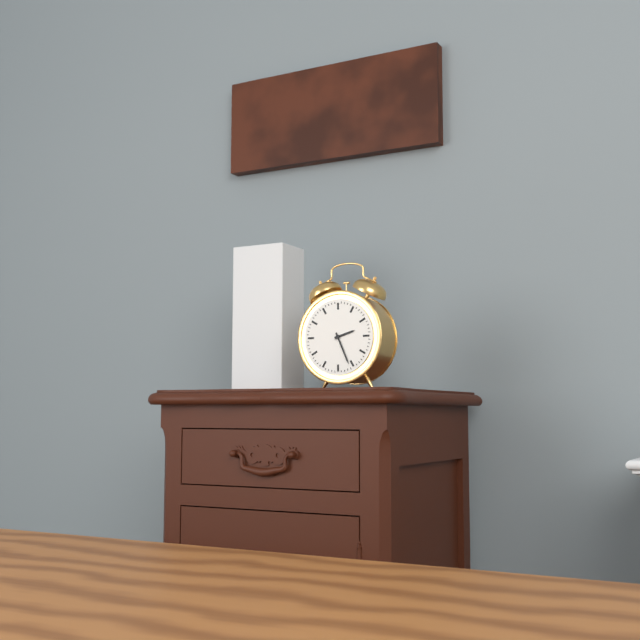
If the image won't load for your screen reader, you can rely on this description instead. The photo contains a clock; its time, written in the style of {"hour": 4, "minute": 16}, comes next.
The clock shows {"hour": 2, "minute": 26}
